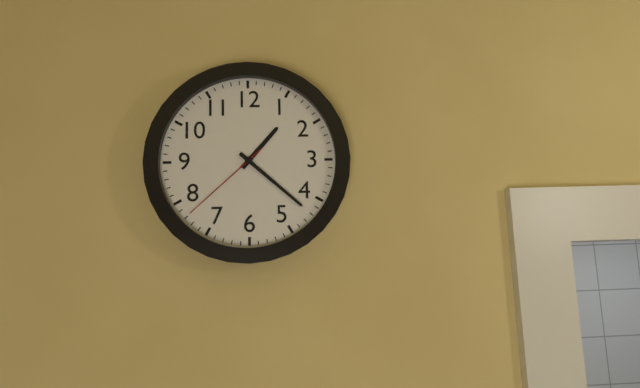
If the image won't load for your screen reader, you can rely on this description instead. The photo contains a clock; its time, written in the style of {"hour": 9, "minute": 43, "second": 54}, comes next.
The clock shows {"hour": 1, "minute": 22, "second": 38}
